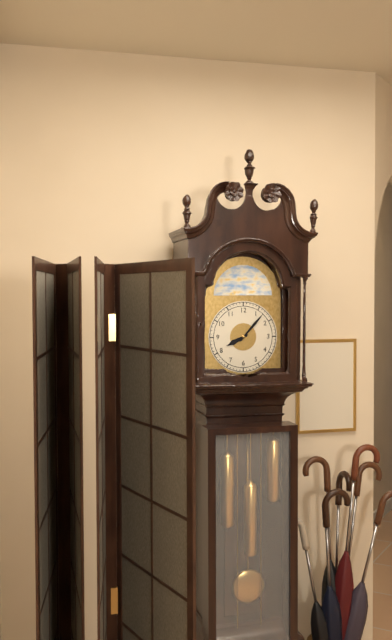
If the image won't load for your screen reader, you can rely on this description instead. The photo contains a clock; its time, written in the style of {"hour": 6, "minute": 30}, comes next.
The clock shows {"hour": 8, "minute": 7}
